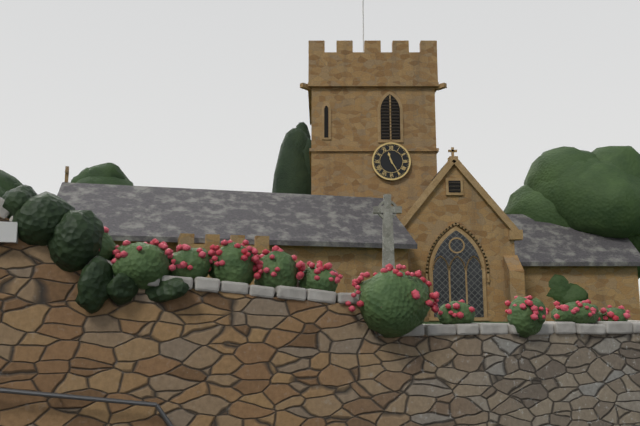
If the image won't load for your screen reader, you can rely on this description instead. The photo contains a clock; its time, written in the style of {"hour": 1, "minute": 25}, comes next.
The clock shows {"hour": 11, "minute": 25}
